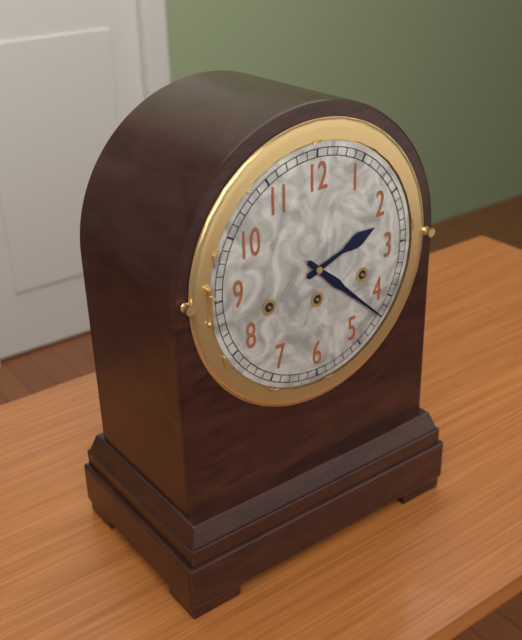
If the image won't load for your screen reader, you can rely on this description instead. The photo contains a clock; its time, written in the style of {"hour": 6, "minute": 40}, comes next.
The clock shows {"hour": 2, "minute": 22}
